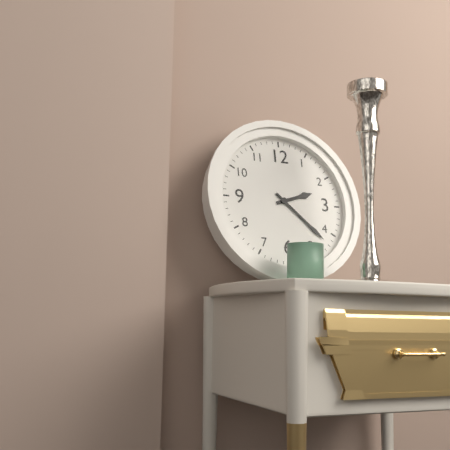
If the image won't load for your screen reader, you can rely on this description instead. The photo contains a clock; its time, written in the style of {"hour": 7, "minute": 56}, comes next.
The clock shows {"hour": 2, "minute": 22}
